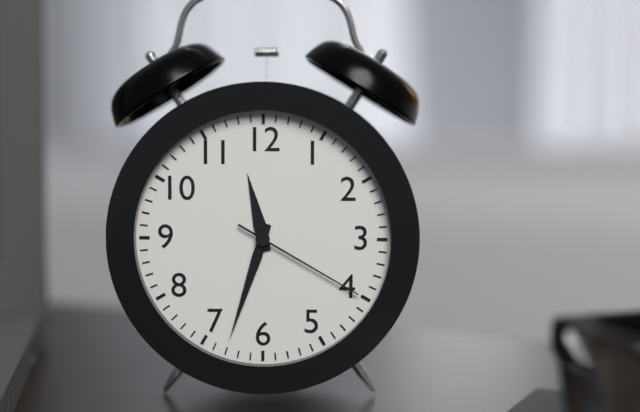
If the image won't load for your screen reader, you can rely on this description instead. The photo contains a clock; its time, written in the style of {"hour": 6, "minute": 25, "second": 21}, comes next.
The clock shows {"hour": 11, "minute": 33, "second": 20}
